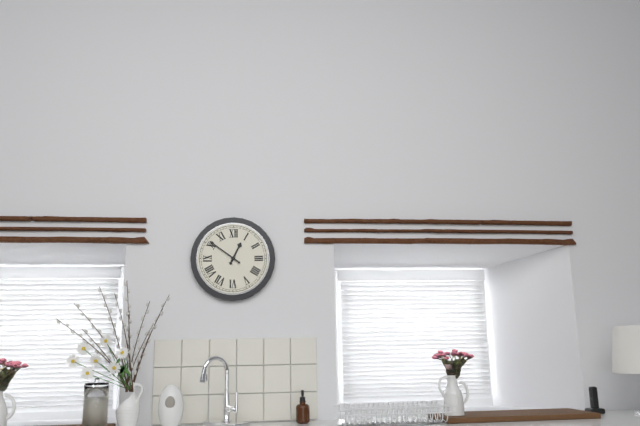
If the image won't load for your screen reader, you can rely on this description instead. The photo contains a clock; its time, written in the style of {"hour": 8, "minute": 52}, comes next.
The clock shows {"hour": 12, "minute": 51}
